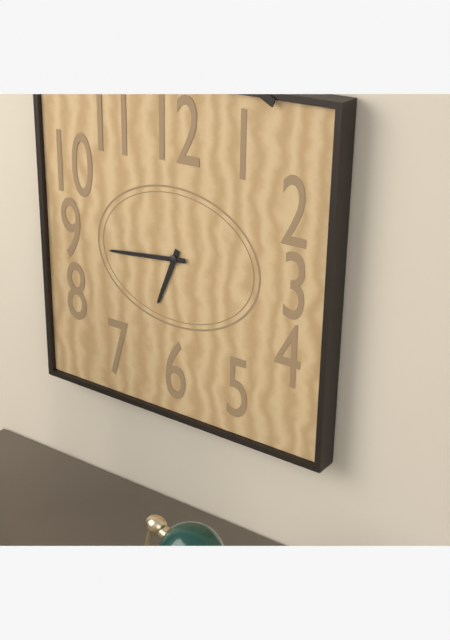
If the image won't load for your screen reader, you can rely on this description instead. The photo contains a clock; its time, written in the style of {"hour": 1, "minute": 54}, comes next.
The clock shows {"hour": 6, "minute": 44}
